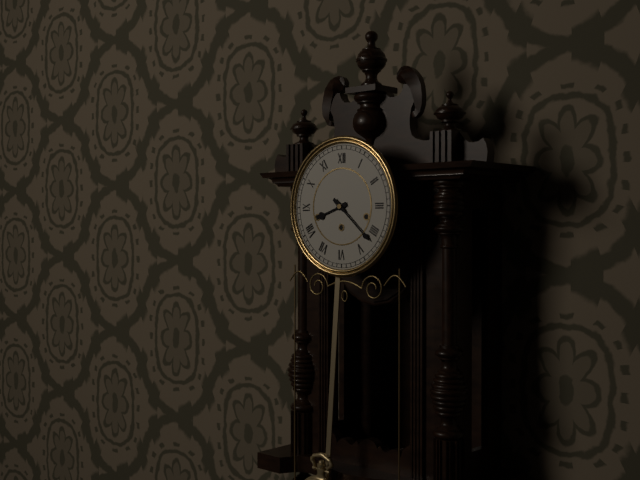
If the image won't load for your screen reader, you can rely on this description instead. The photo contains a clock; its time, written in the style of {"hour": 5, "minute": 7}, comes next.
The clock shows {"hour": 8, "minute": 22}
